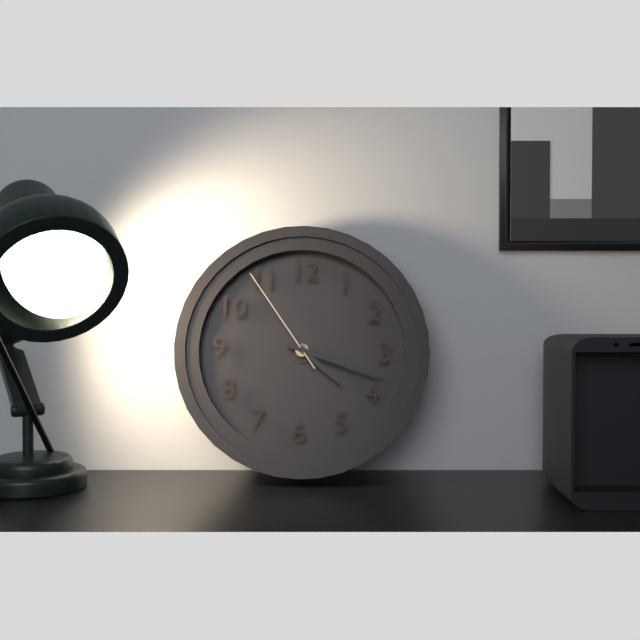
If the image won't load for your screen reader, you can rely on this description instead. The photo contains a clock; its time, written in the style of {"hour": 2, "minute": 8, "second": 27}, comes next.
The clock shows {"hour": 4, "minute": 18, "second": 54}
